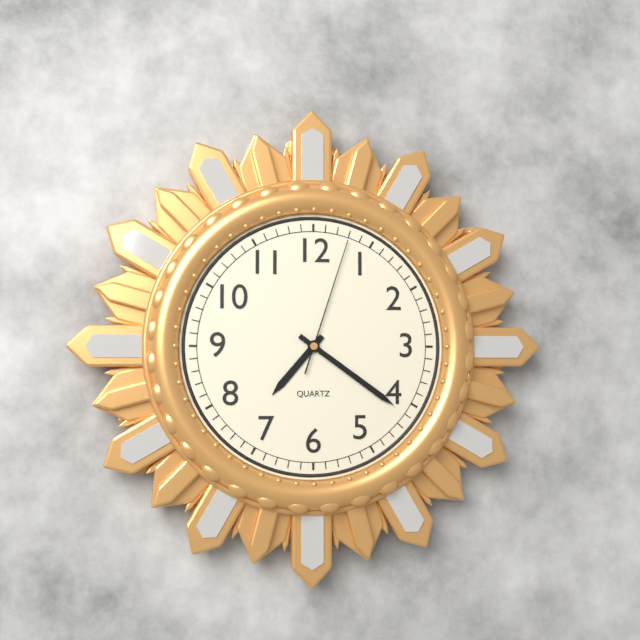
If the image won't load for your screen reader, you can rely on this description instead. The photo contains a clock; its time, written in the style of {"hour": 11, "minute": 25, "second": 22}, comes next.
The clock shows {"hour": 7, "minute": 21, "second": 3}
